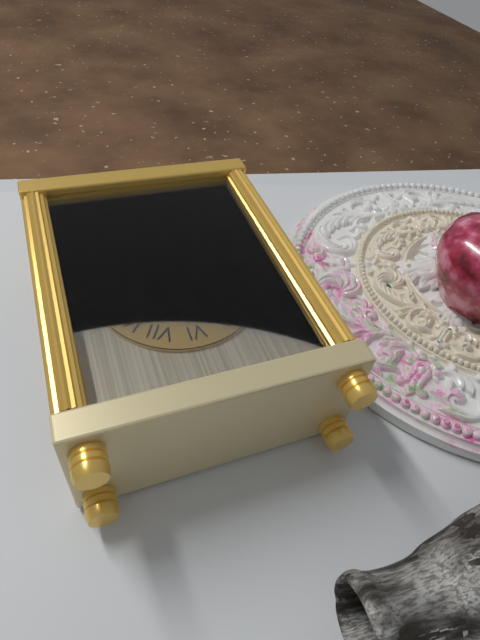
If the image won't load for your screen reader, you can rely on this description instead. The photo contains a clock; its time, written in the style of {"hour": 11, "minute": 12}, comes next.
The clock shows {"hour": 9, "minute": 42}
